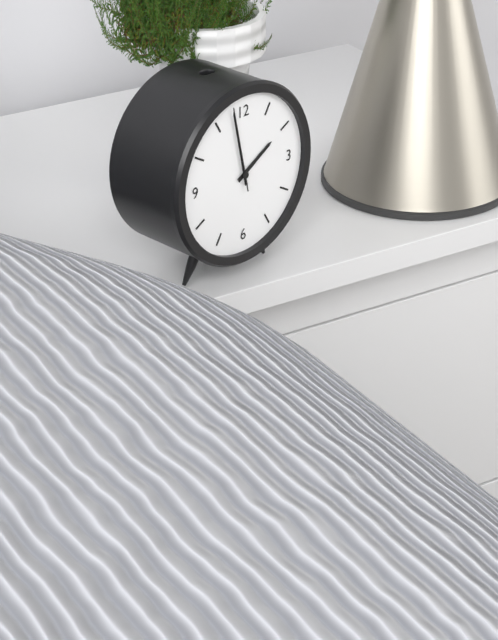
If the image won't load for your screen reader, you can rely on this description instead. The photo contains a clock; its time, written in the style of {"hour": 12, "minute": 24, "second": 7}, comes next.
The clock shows {"hour": 1, "minute": 58, "second": 58}
